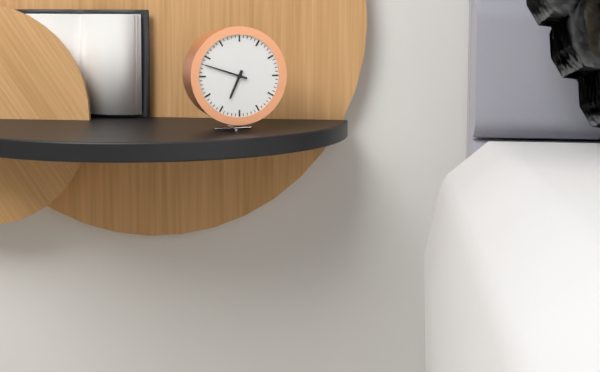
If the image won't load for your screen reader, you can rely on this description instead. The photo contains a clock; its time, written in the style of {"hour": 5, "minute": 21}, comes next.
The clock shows {"hour": 6, "minute": 48}
